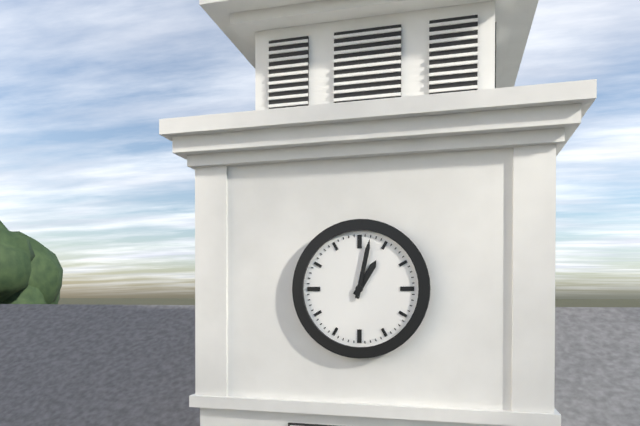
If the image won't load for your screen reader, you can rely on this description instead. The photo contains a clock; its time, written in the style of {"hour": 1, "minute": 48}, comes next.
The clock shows {"hour": 1, "minute": 2}
